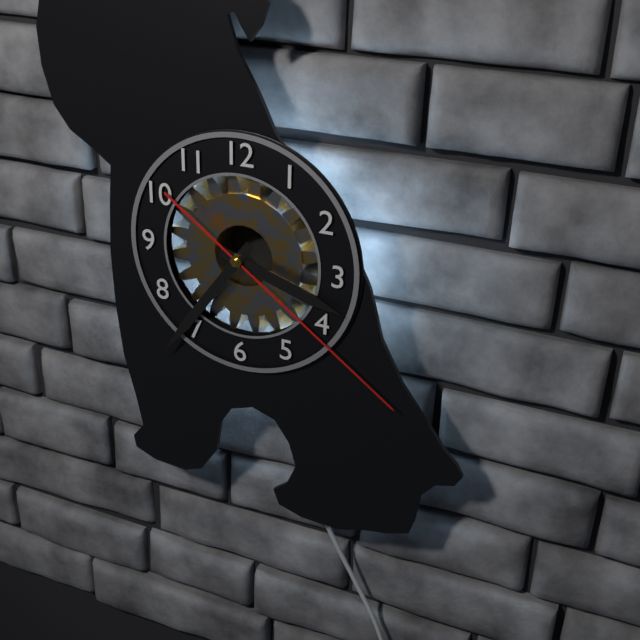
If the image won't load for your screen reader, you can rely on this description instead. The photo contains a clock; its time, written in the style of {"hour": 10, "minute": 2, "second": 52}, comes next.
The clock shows {"hour": 3, "minute": 36, "second": 21}
